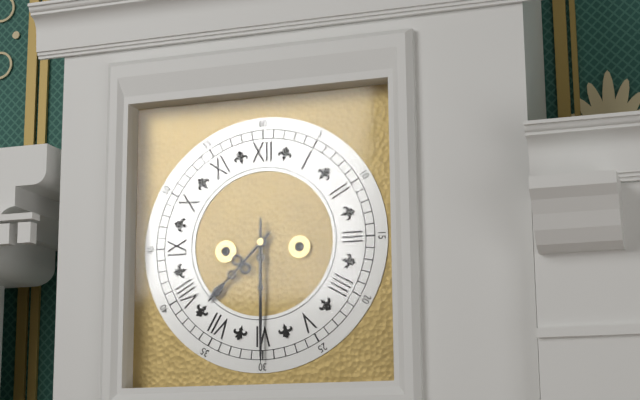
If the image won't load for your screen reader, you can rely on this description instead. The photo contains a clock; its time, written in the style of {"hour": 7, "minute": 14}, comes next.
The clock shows {"hour": 7, "minute": 30}
